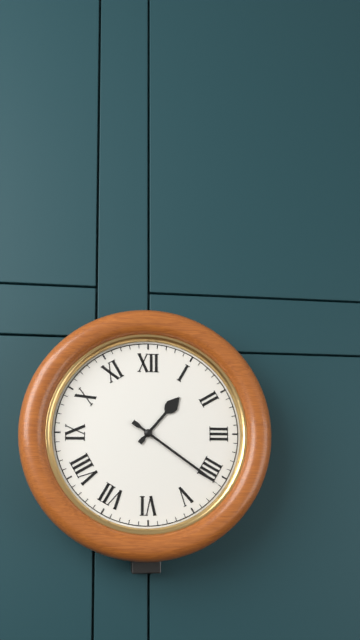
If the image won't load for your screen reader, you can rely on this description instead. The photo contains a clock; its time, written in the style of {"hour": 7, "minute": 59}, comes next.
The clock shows {"hour": 1, "minute": 21}
